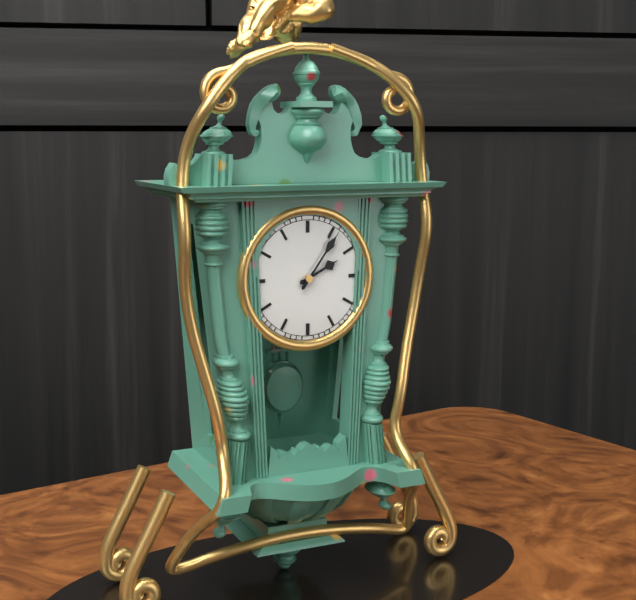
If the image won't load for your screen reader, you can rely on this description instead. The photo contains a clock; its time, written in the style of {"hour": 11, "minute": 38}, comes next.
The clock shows {"hour": 2, "minute": 6}
